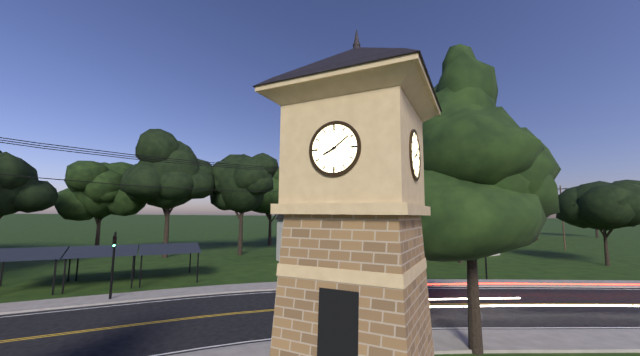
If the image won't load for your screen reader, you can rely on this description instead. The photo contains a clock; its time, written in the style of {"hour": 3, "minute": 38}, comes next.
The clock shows {"hour": 8, "minute": 9}
